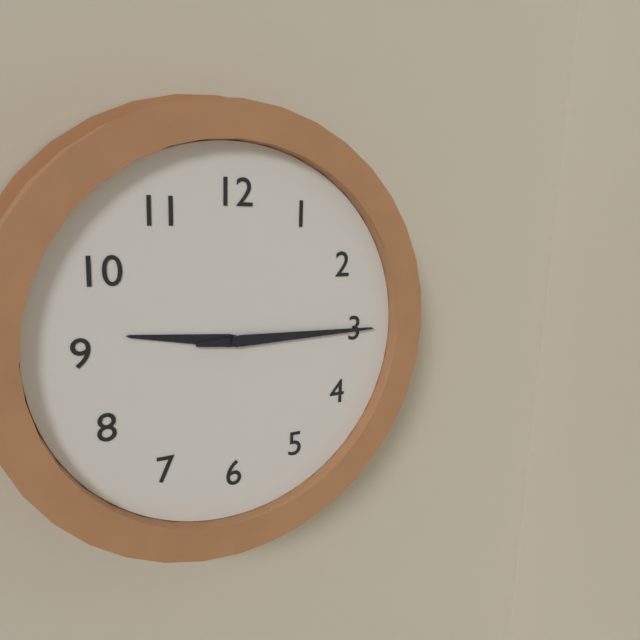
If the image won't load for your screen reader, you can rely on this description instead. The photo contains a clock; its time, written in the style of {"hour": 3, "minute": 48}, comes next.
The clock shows {"hour": 9, "minute": 15}
